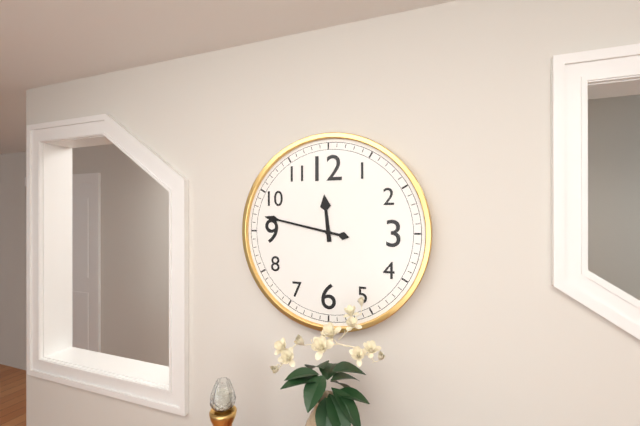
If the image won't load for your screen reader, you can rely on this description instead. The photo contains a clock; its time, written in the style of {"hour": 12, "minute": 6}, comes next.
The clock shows {"hour": 11, "minute": 47}
